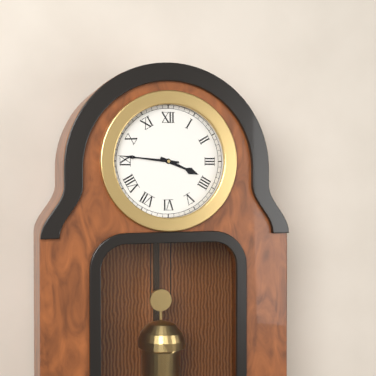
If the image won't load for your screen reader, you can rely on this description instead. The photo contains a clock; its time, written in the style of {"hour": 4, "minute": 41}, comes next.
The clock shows {"hour": 3, "minute": 46}
